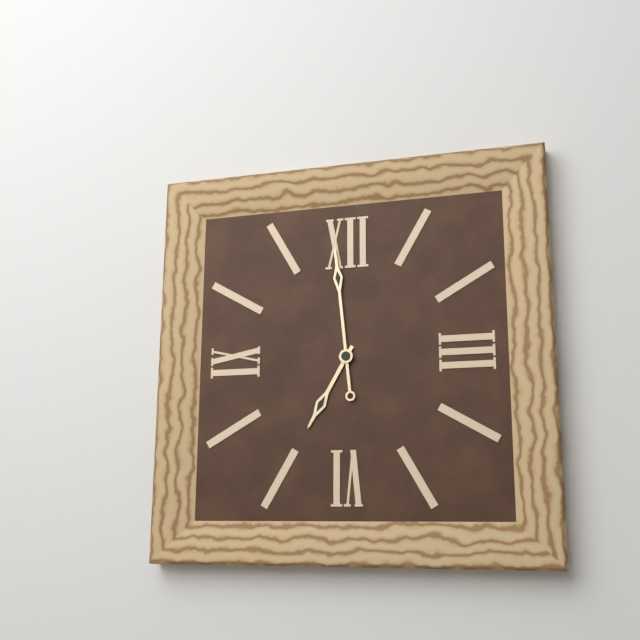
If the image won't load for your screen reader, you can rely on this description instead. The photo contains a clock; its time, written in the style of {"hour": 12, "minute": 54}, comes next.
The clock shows {"hour": 6, "minute": 59}
